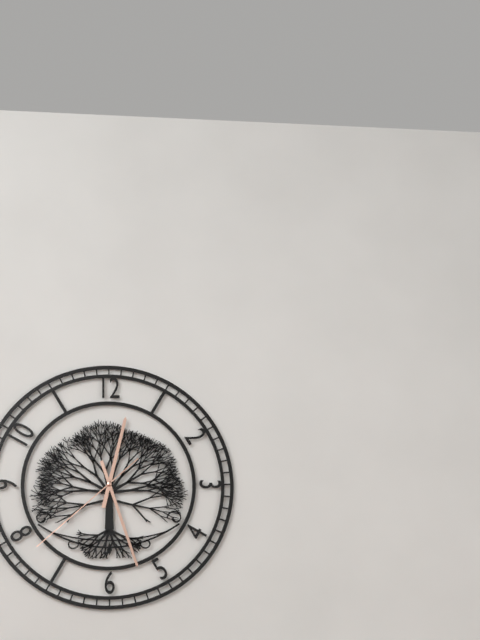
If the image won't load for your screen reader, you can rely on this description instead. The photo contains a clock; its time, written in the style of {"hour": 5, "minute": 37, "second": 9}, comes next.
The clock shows {"hour": 12, "minute": 27, "second": 38}
